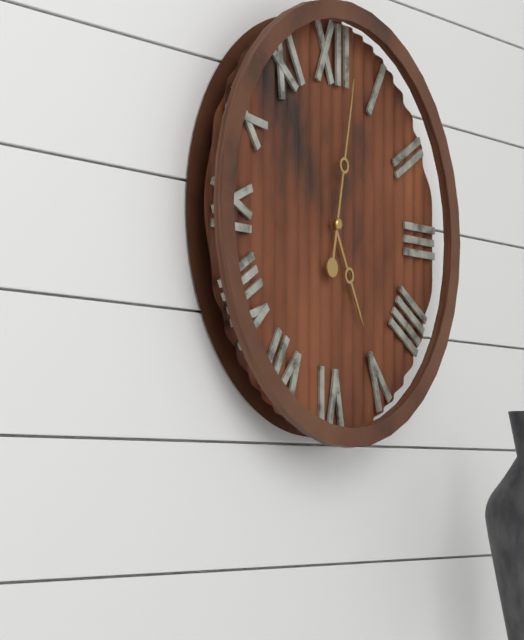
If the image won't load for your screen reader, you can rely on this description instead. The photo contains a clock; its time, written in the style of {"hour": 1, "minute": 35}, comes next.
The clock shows {"hour": 5, "minute": 2}
